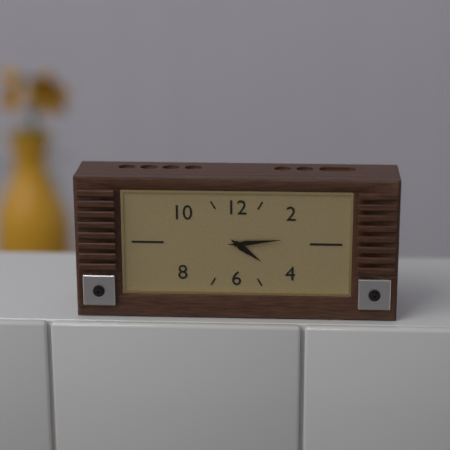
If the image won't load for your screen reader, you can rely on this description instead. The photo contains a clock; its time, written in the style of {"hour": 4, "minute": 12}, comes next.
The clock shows {"hour": 4, "minute": 14}
